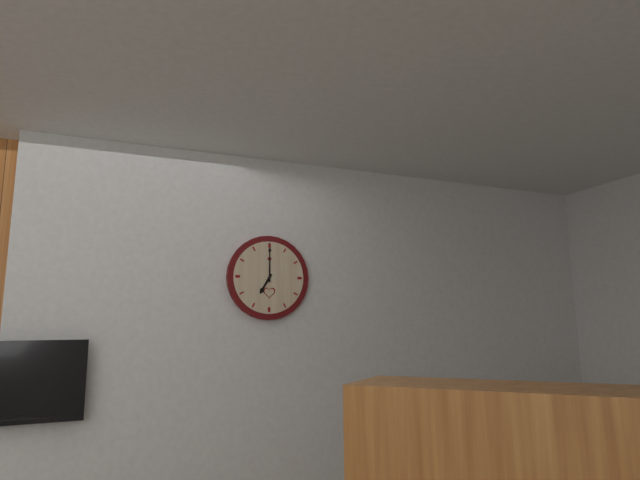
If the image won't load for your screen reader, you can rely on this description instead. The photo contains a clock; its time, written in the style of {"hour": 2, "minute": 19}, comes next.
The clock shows {"hour": 7, "minute": 0}
